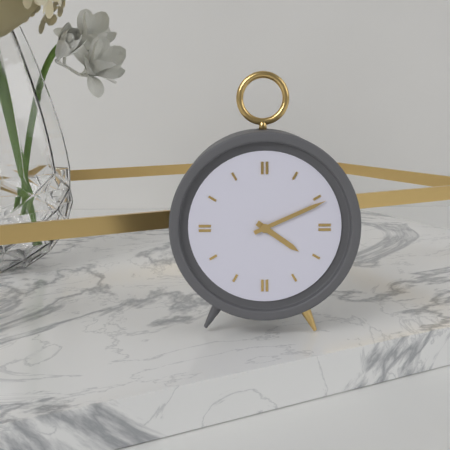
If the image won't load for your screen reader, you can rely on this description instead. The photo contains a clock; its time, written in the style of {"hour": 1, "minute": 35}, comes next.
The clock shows {"hour": 4, "minute": 11}
